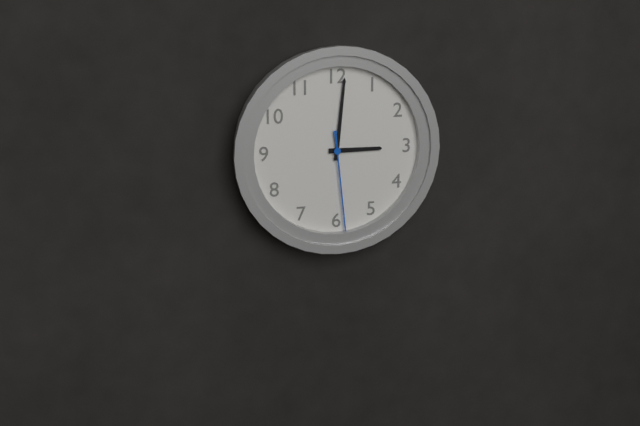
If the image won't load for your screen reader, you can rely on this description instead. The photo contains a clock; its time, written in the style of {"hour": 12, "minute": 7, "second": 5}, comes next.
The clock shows {"hour": 3, "minute": 1, "second": 29}
